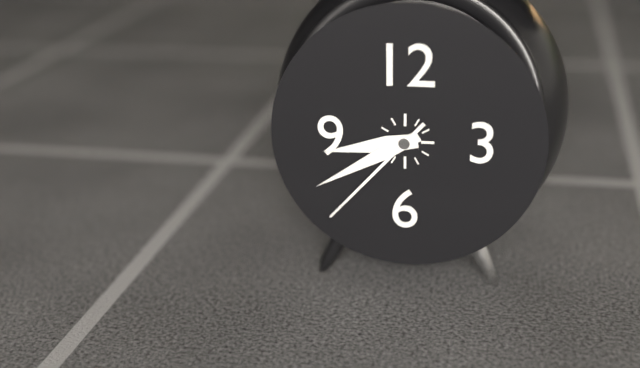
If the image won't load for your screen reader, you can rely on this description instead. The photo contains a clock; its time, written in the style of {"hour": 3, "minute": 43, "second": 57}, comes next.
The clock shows {"hour": 8, "minute": 40, "second": 37}
